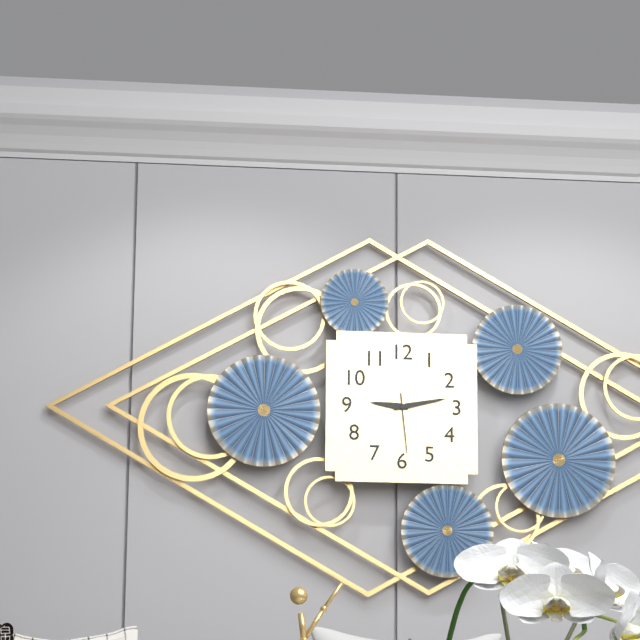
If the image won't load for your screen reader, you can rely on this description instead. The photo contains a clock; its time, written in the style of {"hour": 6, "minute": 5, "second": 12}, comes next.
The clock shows {"hour": 9, "minute": 13, "second": 29}
